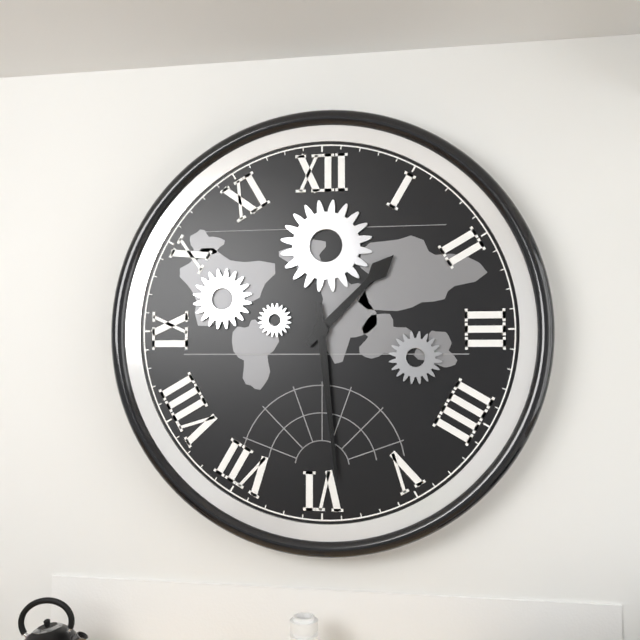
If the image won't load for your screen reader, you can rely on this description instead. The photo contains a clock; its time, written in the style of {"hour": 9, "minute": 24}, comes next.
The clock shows {"hour": 1, "minute": 29}
